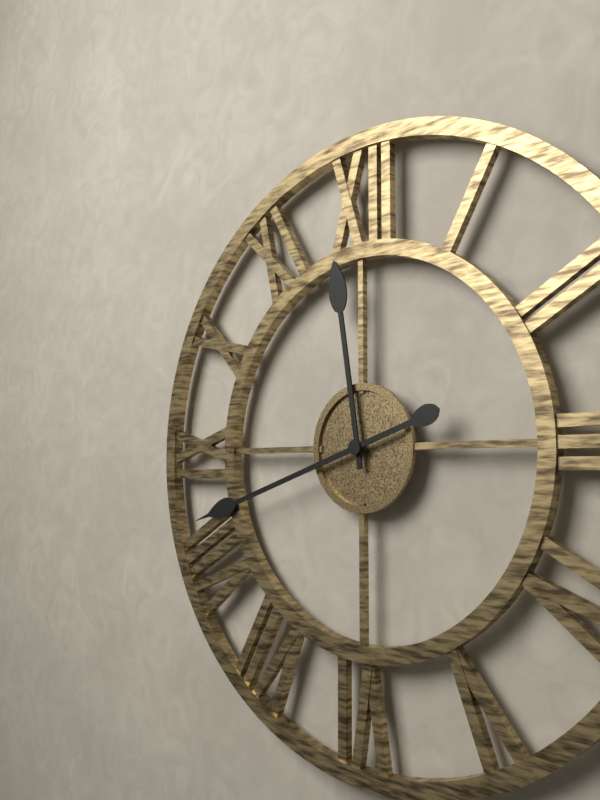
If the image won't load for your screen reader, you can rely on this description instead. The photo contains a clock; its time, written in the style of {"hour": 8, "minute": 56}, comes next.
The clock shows {"hour": 11, "minute": 42}
